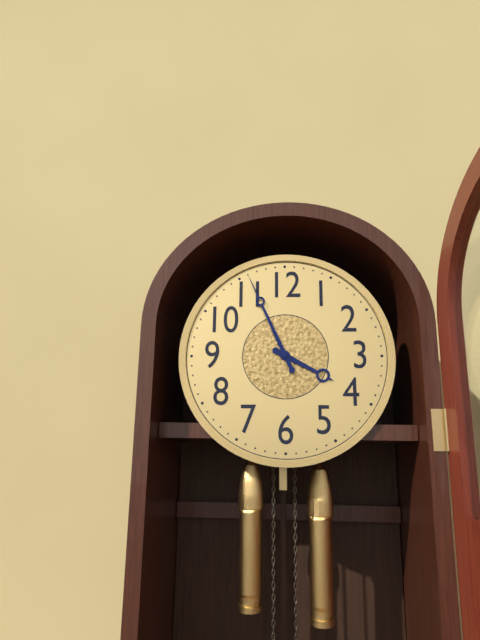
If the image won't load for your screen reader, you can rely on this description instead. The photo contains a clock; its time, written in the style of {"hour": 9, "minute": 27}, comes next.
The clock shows {"hour": 3, "minute": 56}
